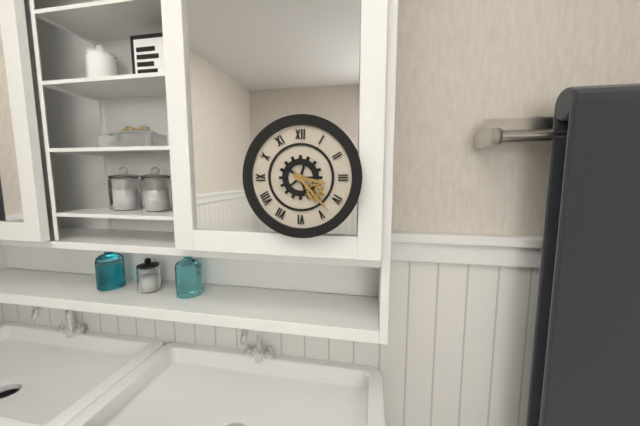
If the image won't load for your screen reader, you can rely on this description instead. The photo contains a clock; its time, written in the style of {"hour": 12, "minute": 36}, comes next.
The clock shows {"hour": 3, "minute": 23}
